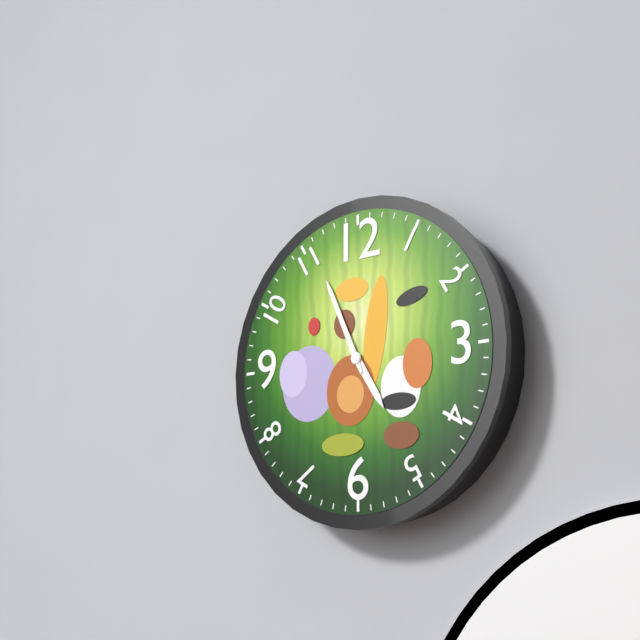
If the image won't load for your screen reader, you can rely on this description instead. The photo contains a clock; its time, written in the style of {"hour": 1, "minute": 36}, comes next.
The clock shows {"hour": 4, "minute": 56}
